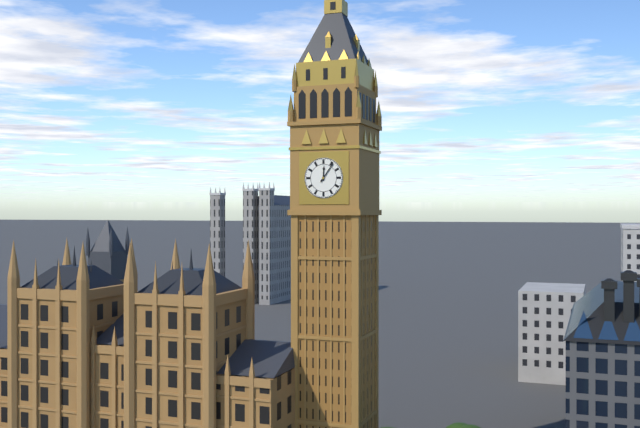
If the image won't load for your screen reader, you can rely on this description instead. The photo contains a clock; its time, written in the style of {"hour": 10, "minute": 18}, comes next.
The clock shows {"hour": 12, "minute": 6}
